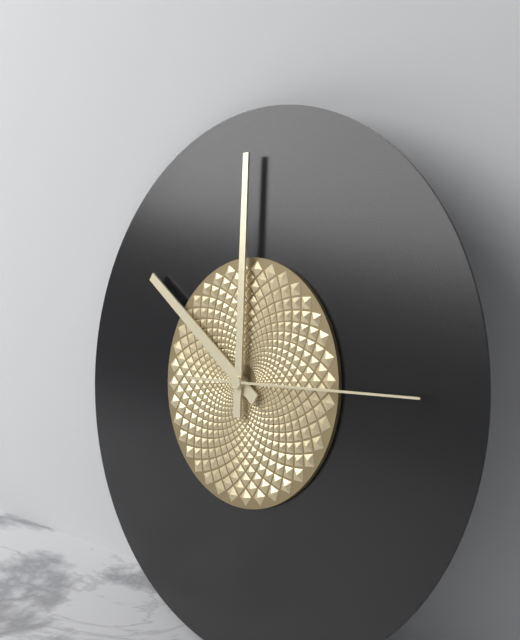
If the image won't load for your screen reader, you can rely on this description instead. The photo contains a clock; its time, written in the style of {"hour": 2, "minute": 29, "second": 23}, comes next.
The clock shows {"hour": 9, "minute": 59, "second": 14}
